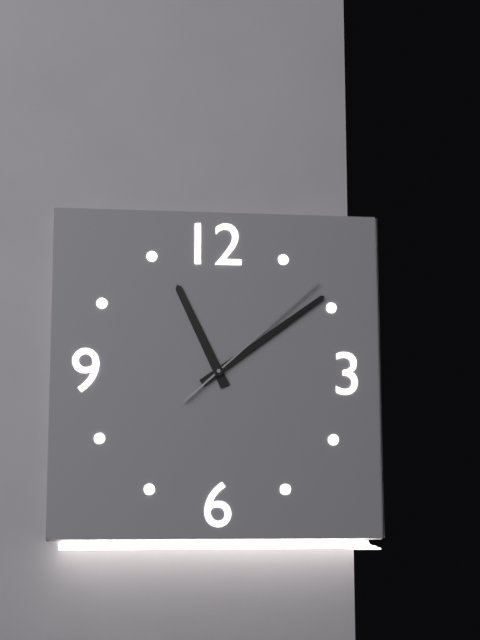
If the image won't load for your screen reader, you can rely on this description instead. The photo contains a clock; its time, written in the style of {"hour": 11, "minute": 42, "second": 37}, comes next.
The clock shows {"hour": 11, "minute": 9, "second": 8}
